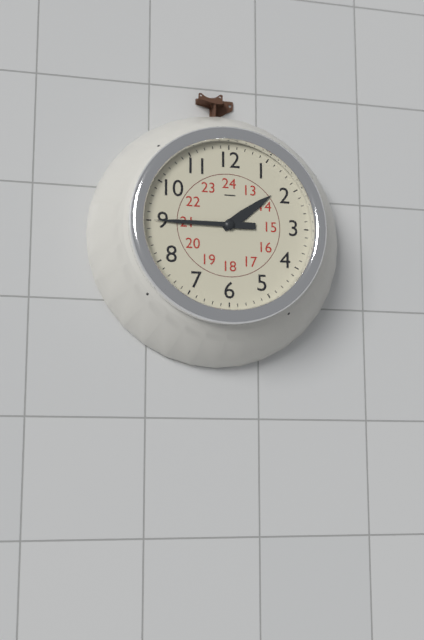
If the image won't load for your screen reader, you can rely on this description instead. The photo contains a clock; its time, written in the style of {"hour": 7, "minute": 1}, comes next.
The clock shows {"hour": 1, "minute": 45}
